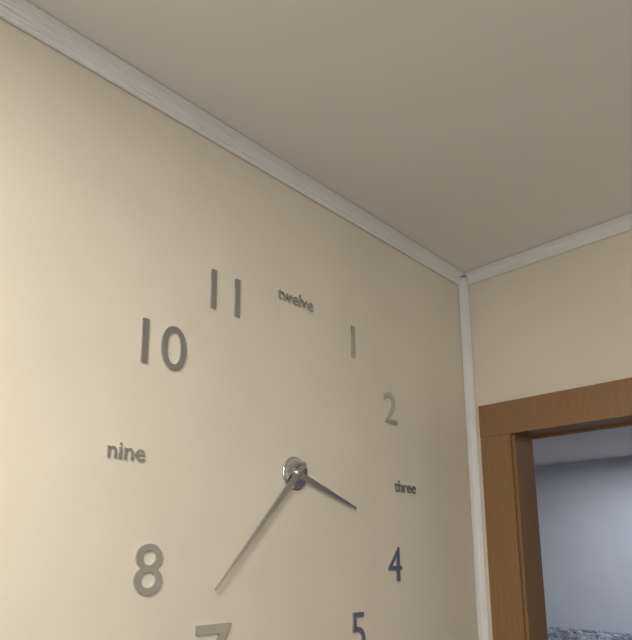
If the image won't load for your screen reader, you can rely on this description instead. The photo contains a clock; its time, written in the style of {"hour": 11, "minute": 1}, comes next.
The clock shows {"hour": 3, "minute": 37}
